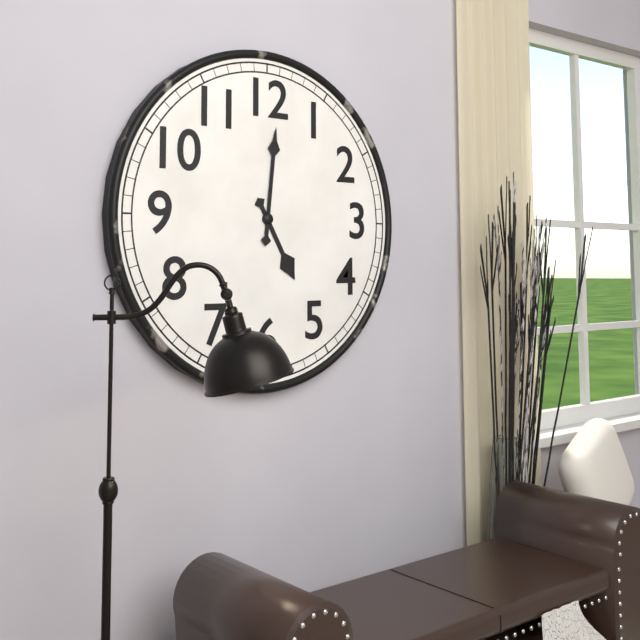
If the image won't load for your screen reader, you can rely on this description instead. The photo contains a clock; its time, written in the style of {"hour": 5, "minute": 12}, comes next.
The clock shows {"hour": 5, "minute": 1}
